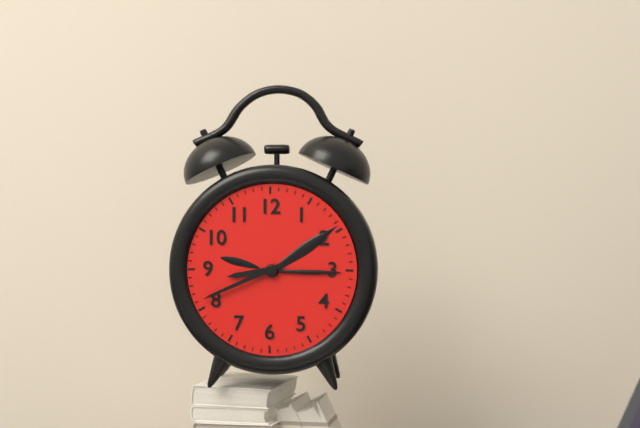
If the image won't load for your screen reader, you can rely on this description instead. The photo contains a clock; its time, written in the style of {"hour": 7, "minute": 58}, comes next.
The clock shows {"hour": 8, "minute": 41}
